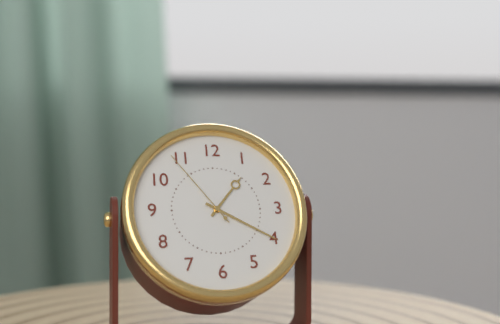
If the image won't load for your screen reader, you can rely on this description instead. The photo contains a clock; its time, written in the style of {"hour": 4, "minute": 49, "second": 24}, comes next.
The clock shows {"hour": 1, "minute": 20, "second": 54}
